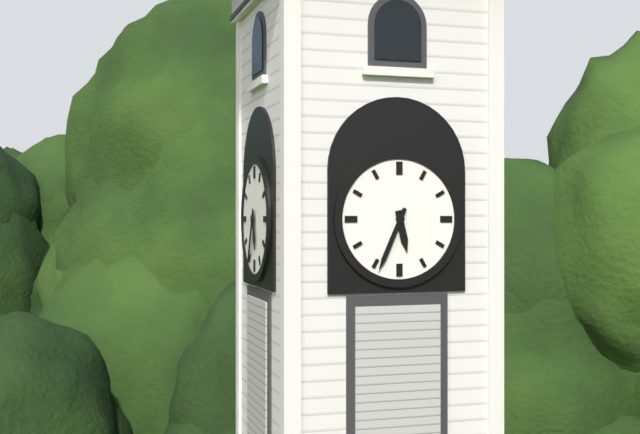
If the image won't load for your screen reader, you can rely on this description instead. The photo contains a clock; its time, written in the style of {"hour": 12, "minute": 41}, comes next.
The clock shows {"hour": 5, "minute": 34}
